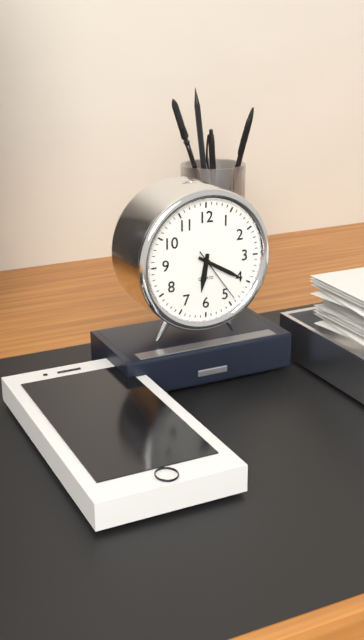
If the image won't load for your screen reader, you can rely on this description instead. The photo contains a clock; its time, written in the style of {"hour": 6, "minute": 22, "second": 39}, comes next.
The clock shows {"hour": 6, "minute": 20, "second": 24}
